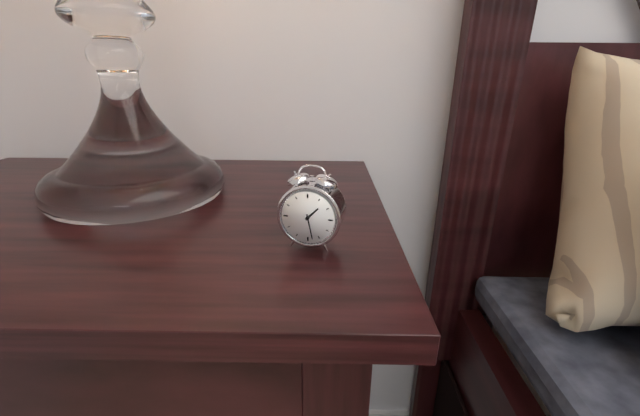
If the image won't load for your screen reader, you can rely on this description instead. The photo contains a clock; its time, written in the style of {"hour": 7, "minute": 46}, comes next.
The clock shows {"hour": 1, "minute": 28}
